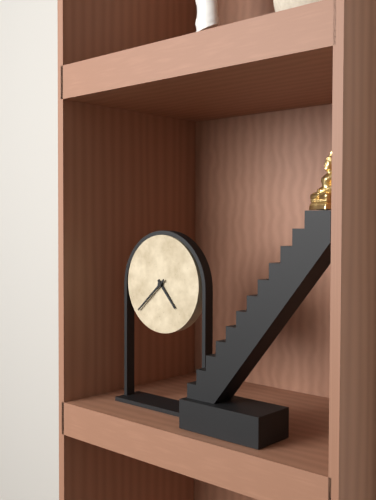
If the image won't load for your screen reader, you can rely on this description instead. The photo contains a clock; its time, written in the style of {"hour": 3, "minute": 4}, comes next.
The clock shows {"hour": 4, "minute": 38}
